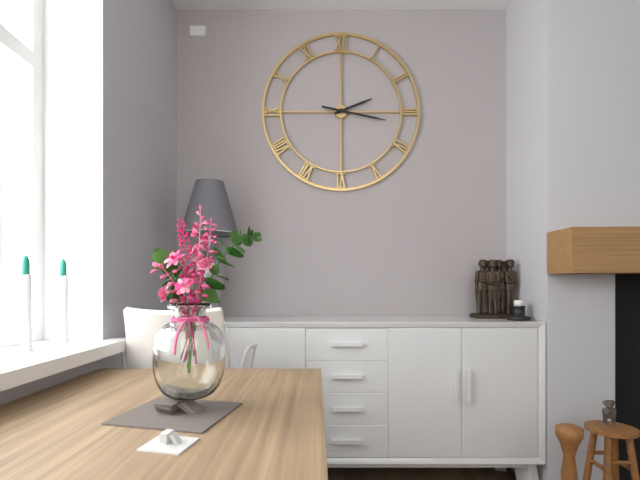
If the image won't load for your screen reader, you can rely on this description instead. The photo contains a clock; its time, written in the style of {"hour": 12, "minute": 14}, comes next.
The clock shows {"hour": 2, "minute": 17}
